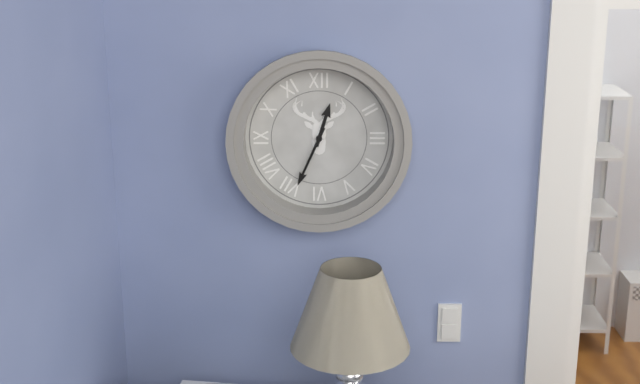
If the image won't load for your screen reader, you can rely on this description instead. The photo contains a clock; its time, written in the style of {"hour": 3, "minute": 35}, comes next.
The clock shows {"hour": 12, "minute": 34}
